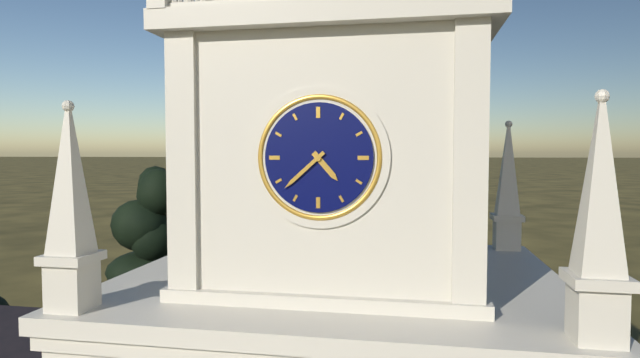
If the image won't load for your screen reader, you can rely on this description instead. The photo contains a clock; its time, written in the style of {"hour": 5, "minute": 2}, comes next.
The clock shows {"hour": 4, "minute": 38}
